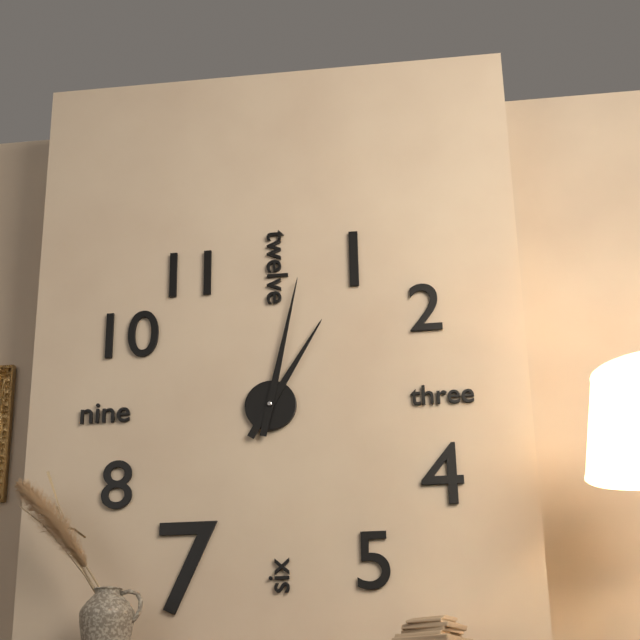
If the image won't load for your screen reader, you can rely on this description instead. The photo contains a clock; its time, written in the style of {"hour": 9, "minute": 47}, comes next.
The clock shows {"hour": 1, "minute": 2}
